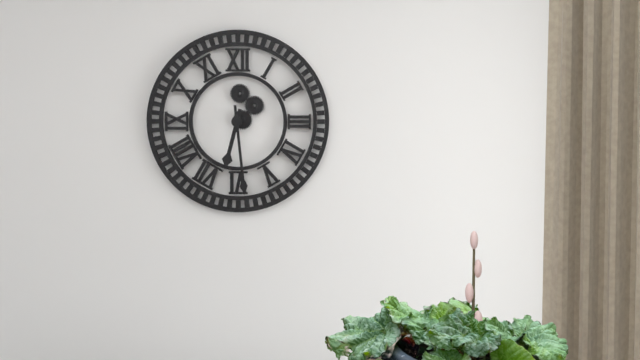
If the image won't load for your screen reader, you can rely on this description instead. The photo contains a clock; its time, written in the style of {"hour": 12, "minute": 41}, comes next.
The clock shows {"hour": 6, "minute": 29}
